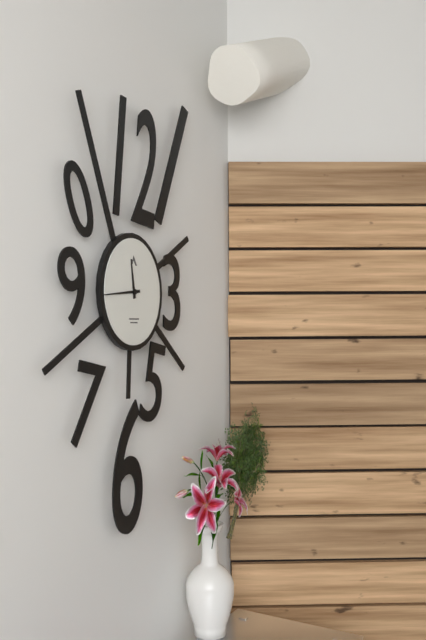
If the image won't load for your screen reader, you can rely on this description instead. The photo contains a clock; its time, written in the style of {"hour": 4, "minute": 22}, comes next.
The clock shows {"hour": 11, "minute": 44}
